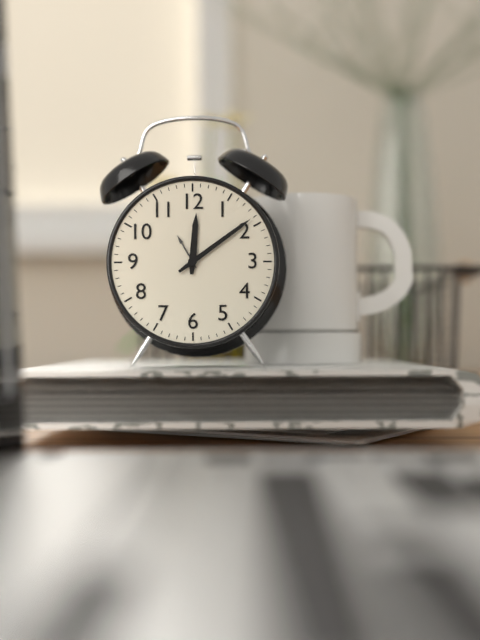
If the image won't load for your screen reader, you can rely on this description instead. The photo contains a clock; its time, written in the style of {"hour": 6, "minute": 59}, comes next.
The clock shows {"hour": 12, "minute": 9}
